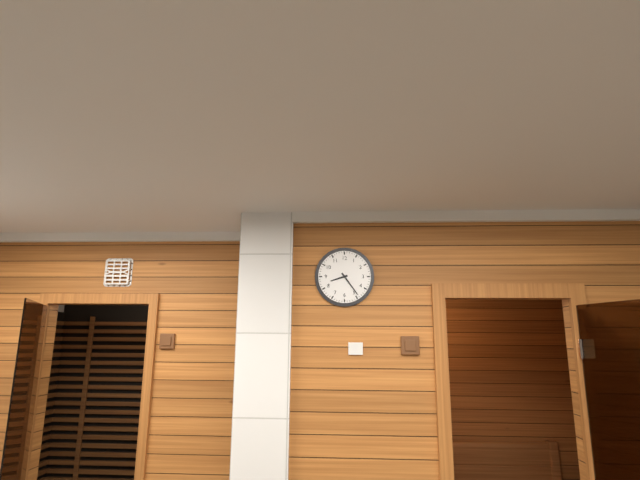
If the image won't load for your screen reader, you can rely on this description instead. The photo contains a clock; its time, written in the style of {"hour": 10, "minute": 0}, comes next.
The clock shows {"hour": 8, "minute": 24}
